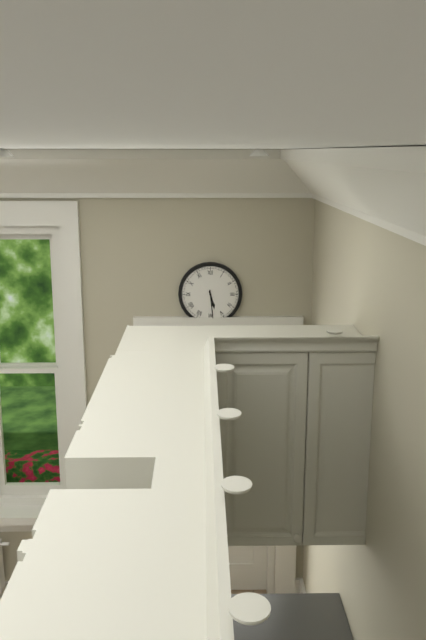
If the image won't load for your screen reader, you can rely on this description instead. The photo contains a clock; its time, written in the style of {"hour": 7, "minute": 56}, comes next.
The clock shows {"hour": 5, "minute": 29}
